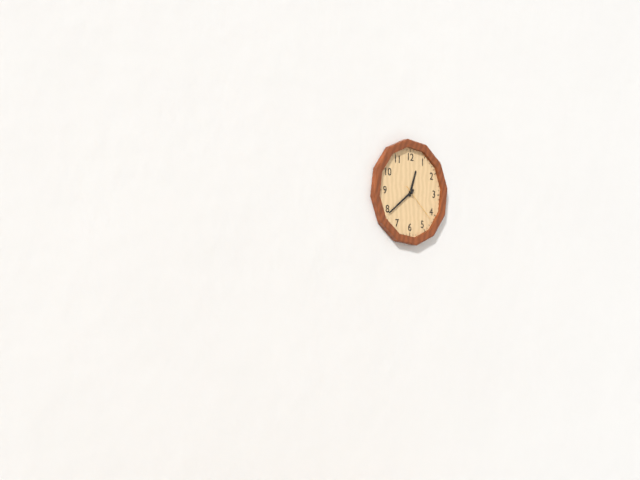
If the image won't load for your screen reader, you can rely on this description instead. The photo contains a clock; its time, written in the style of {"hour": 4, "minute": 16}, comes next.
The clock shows {"hour": 12, "minute": 39}
